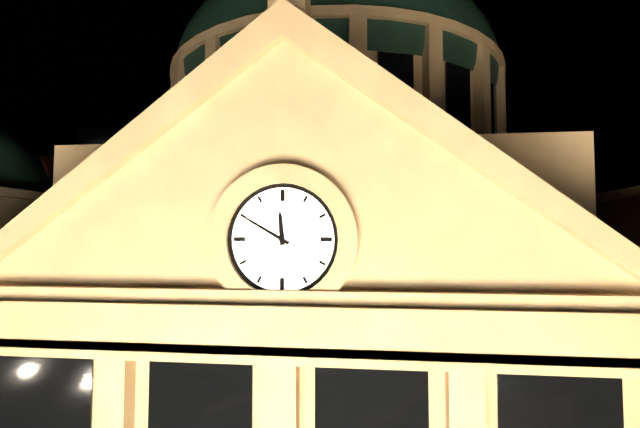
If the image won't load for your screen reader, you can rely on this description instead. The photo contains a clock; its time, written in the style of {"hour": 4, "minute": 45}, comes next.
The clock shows {"hour": 11, "minute": 50}
